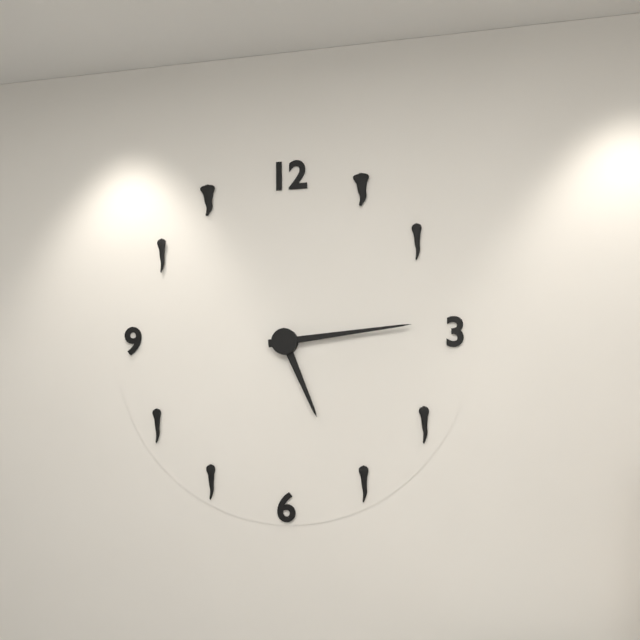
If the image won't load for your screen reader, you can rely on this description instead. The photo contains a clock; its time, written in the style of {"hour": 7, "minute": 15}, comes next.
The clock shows {"hour": 5, "minute": 14}
